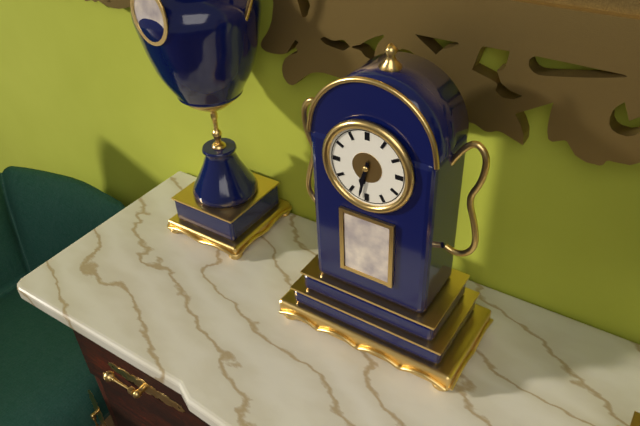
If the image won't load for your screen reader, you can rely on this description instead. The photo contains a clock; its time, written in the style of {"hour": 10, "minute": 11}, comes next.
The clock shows {"hour": 6, "minute": 32}
